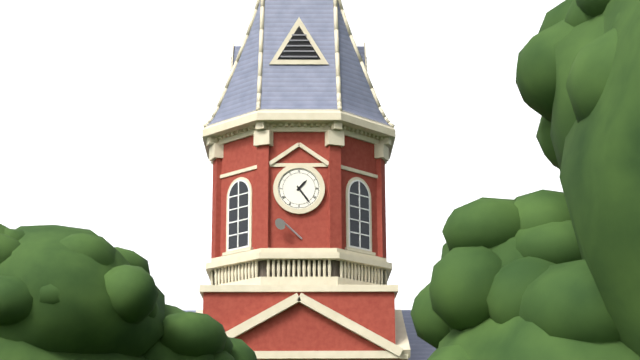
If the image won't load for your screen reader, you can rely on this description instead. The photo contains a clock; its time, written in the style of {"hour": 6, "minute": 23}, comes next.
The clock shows {"hour": 1, "minute": 24}
